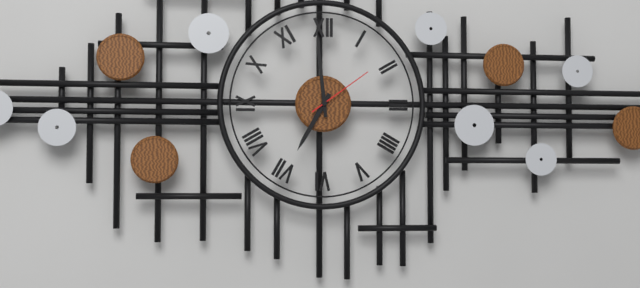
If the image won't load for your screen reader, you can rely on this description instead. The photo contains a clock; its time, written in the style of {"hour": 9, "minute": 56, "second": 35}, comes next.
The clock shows {"hour": 6, "minute": 59, "second": 9}
